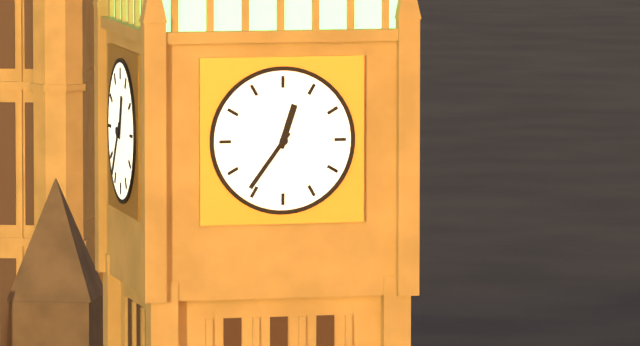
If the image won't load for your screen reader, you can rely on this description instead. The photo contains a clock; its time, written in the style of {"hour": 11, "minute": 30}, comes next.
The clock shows {"hour": 12, "minute": 36}
